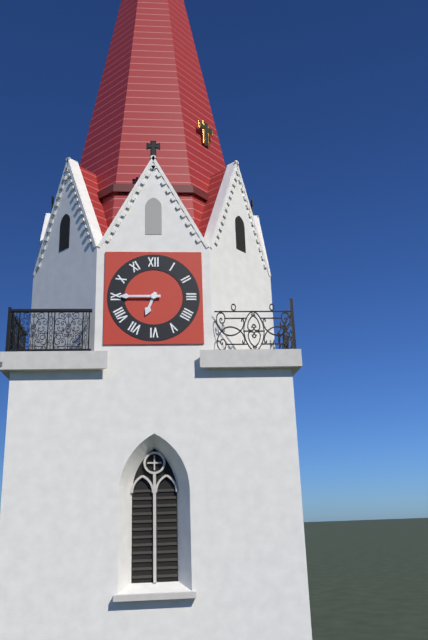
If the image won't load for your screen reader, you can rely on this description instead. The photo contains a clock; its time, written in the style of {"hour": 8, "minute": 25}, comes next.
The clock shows {"hour": 6, "minute": 45}
